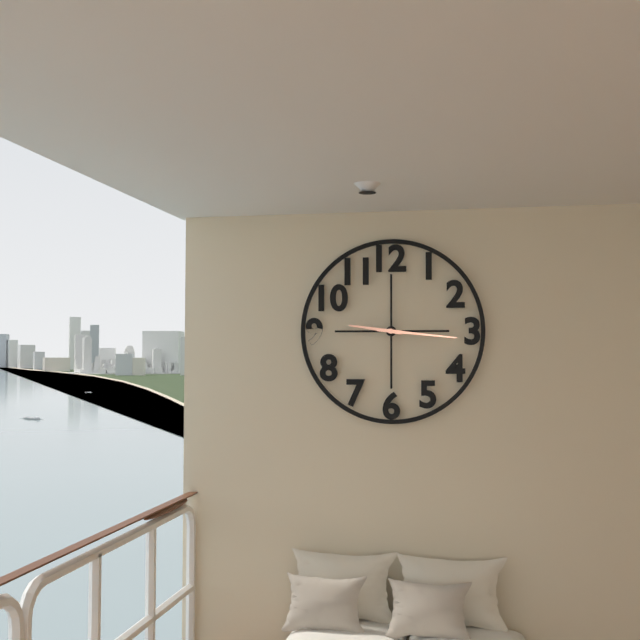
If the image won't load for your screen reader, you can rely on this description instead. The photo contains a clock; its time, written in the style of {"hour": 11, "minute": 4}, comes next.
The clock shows {"hour": 9, "minute": 16}
